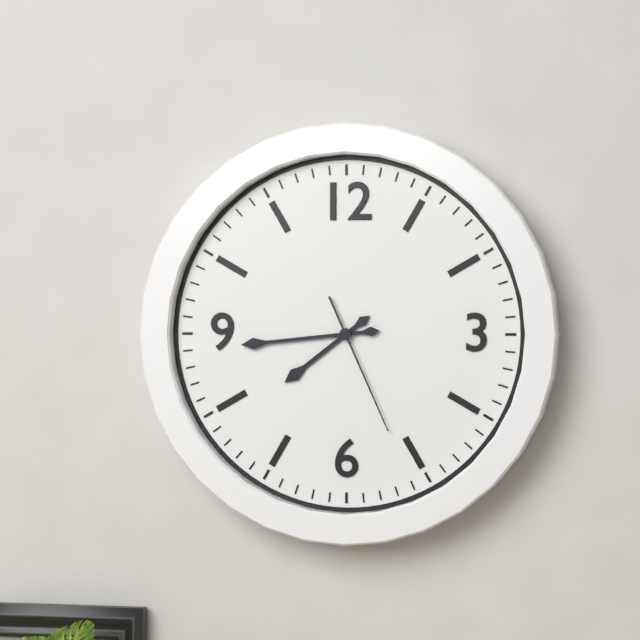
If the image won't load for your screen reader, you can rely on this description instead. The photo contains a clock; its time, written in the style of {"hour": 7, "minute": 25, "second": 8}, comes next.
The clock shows {"hour": 7, "minute": 44, "second": 26}
